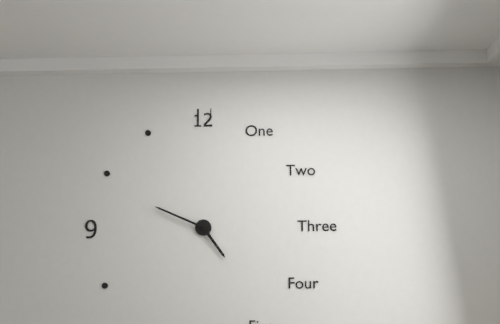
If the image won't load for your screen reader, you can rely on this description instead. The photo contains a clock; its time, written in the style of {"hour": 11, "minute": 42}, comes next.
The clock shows {"hour": 4, "minute": 49}
